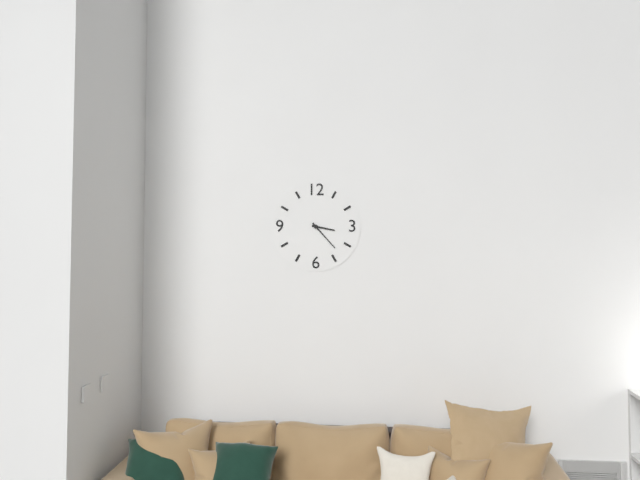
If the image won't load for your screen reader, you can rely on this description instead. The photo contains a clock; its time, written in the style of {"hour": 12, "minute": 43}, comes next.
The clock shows {"hour": 3, "minute": 23}
